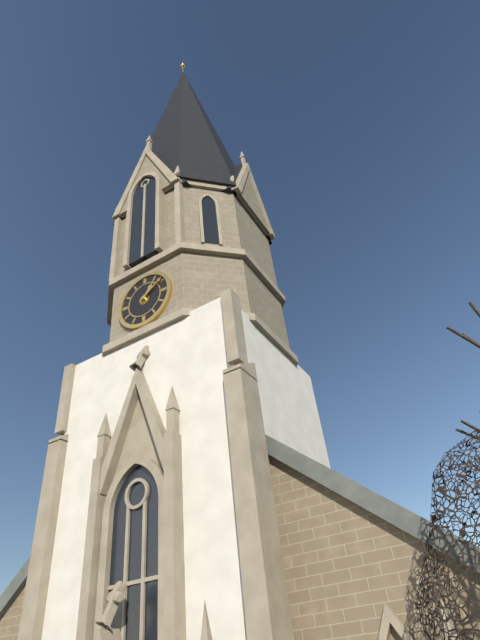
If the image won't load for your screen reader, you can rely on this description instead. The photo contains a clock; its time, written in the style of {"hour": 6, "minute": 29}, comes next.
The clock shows {"hour": 1, "minute": 9}
